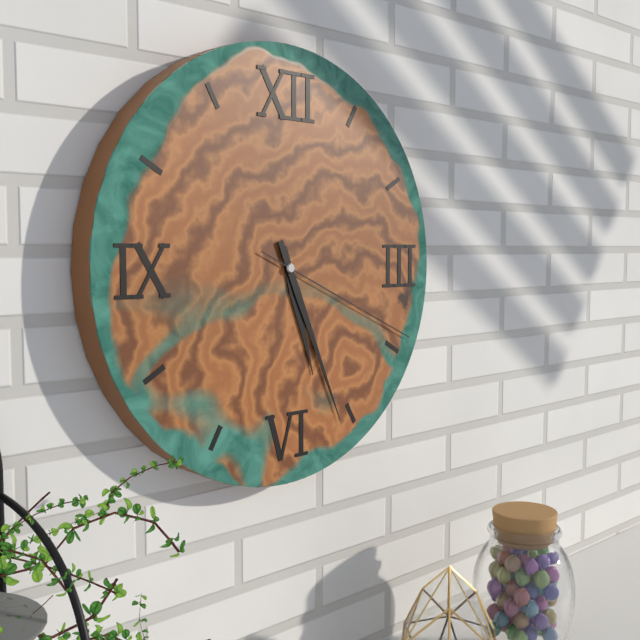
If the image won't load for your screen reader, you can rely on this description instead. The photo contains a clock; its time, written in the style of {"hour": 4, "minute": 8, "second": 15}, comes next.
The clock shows {"hour": 5, "minute": 26, "second": 19}
